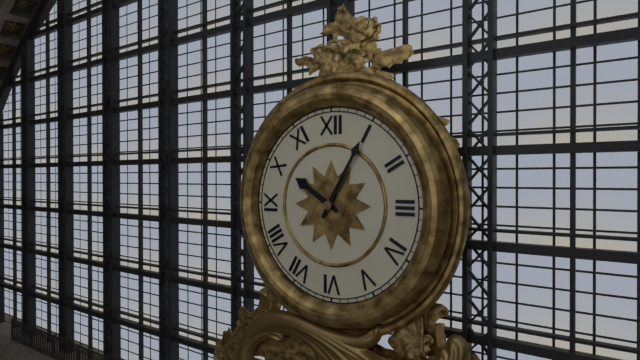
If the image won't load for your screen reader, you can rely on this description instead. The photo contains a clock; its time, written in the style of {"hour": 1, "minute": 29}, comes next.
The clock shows {"hour": 10, "minute": 5}
